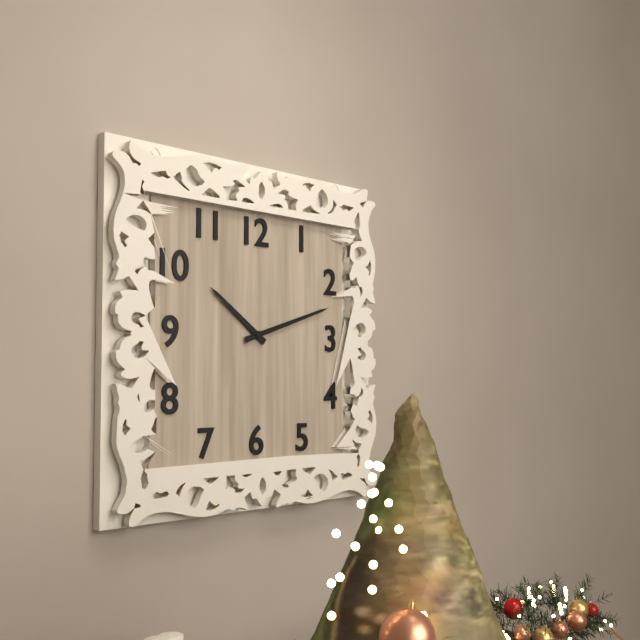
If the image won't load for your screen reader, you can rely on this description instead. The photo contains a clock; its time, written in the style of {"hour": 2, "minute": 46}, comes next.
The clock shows {"hour": 10, "minute": 12}
